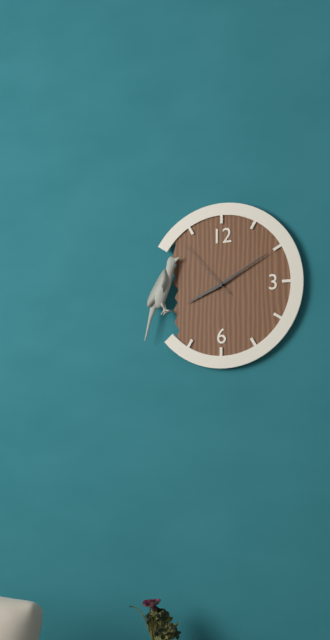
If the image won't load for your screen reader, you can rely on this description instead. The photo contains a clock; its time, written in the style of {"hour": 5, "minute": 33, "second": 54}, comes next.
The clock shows {"hour": 8, "minute": 10, "second": 53}
